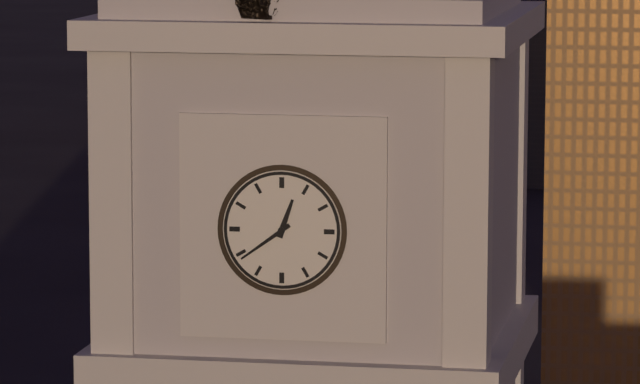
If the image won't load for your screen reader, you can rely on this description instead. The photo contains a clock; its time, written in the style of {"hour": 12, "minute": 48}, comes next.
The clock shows {"hour": 12, "minute": 39}
